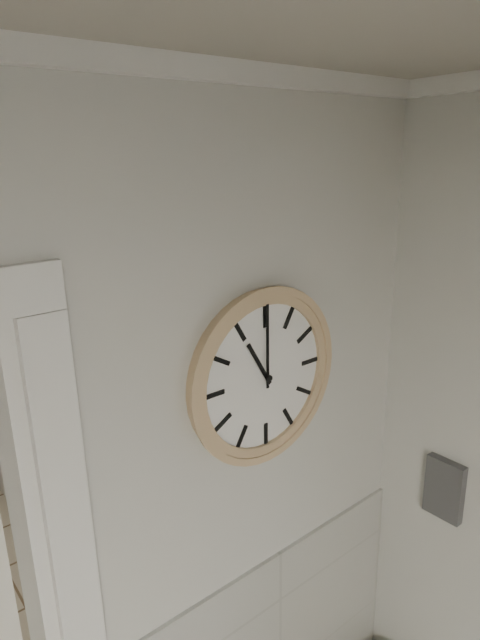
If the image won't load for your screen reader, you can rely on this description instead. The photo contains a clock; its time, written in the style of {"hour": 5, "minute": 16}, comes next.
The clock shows {"hour": 11, "minute": 0}
